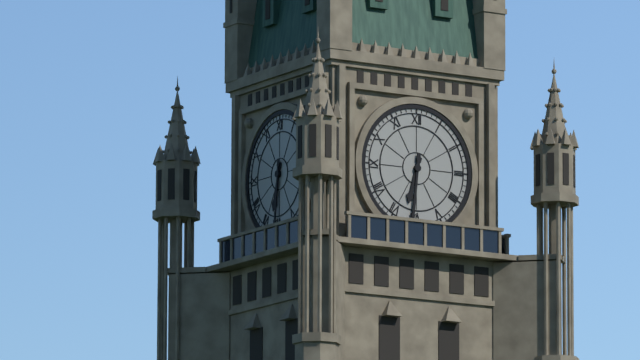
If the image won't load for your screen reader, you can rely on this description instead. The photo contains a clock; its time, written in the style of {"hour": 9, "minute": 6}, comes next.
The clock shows {"hour": 6, "minute": 31}
